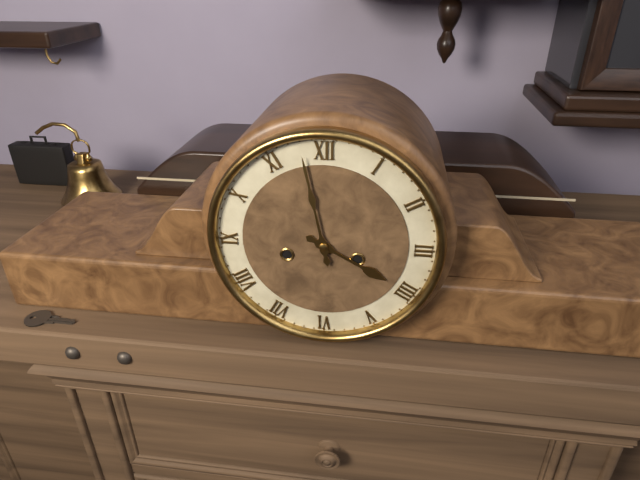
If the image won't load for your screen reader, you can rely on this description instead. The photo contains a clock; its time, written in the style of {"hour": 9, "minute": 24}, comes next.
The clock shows {"hour": 3, "minute": 58}
